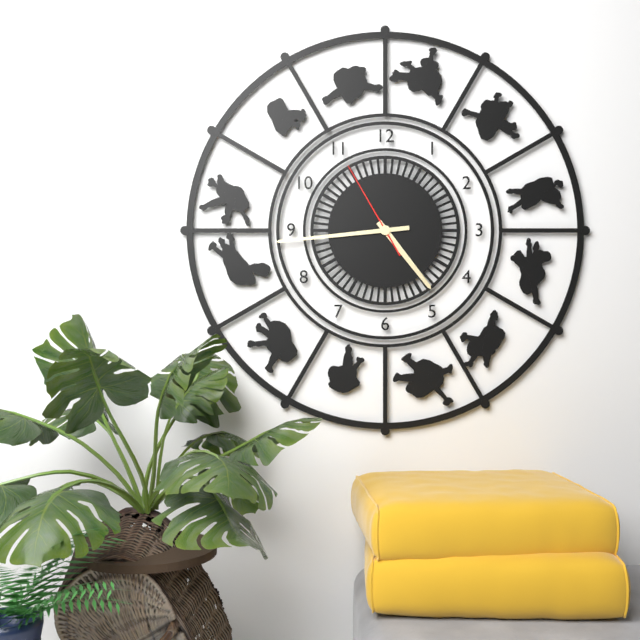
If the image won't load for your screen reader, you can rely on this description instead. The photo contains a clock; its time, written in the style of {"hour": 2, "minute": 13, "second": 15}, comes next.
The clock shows {"hour": 4, "minute": 44, "second": 55}
